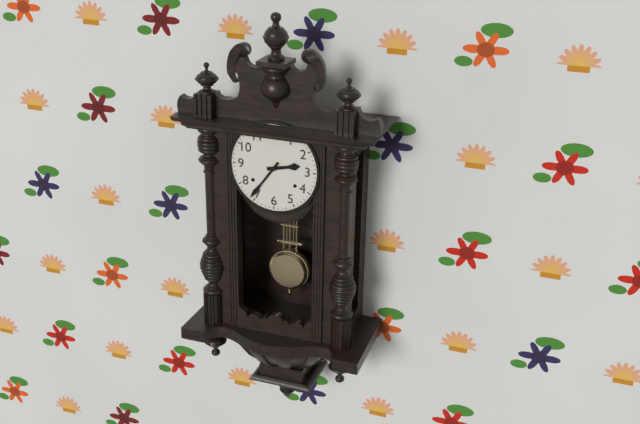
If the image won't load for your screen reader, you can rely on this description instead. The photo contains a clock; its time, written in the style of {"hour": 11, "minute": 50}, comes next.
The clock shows {"hour": 2, "minute": 36}
